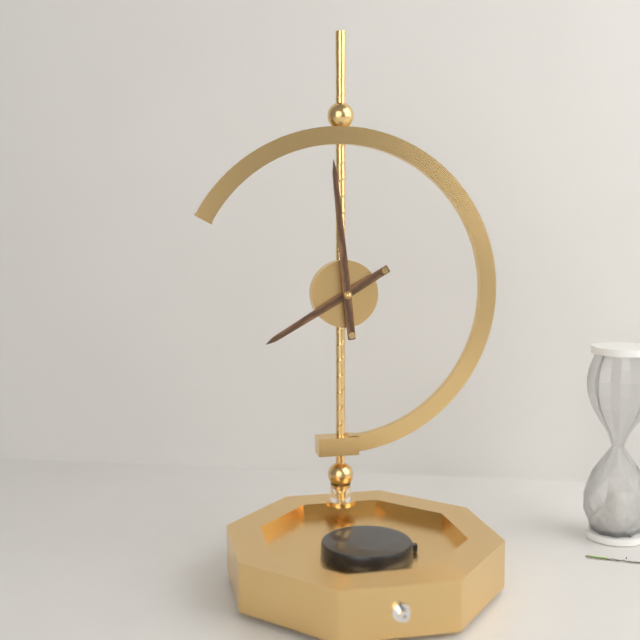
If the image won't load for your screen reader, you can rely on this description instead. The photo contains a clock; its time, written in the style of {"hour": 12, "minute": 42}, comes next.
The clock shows {"hour": 7, "minute": 59}
